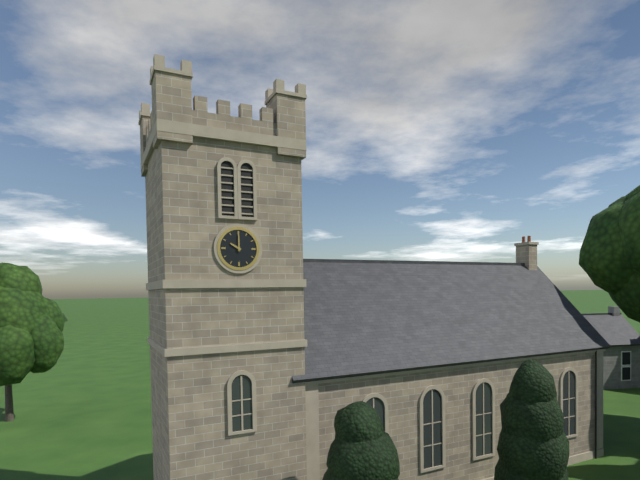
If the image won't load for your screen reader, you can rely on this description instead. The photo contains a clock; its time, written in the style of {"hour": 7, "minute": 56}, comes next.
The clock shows {"hour": 10, "minute": 0}
